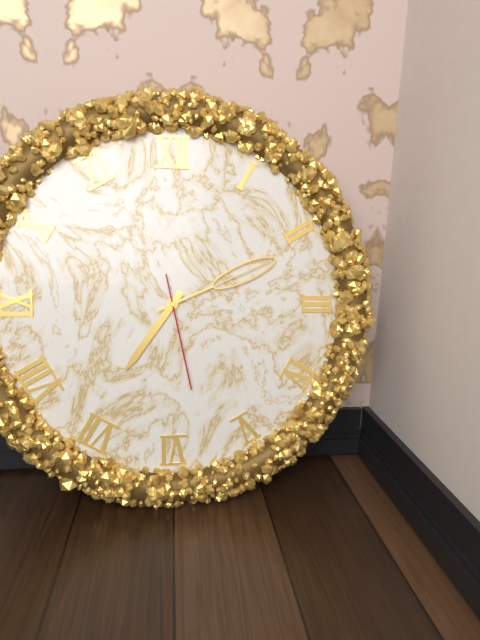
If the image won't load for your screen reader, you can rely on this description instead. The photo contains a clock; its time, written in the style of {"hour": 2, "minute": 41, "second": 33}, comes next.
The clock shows {"hour": 7, "minute": 11, "second": 28}
